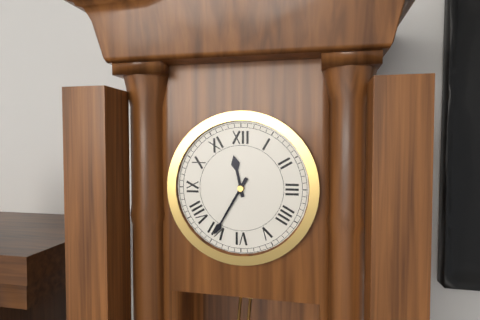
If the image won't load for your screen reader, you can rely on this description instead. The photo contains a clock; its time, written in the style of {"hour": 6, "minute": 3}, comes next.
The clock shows {"hour": 11, "minute": 35}
